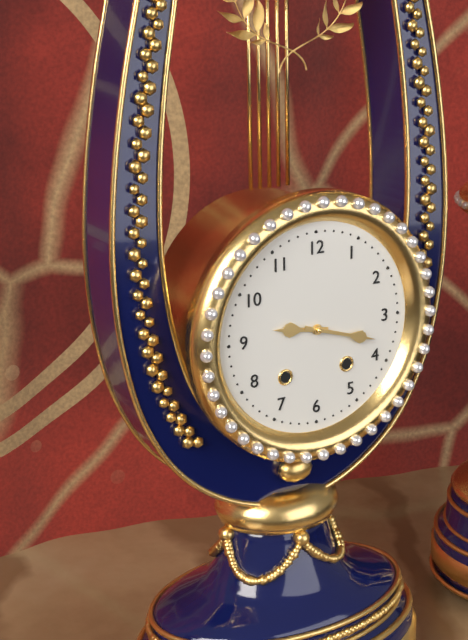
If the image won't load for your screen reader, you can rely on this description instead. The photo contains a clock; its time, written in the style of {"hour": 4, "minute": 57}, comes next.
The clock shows {"hour": 9, "minute": 18}
